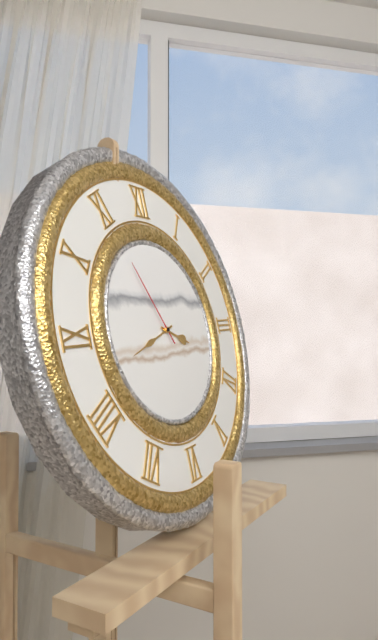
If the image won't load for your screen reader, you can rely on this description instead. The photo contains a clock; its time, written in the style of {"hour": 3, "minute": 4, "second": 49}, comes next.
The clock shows {"hour": 3, "minute": 42, "second": 55}
